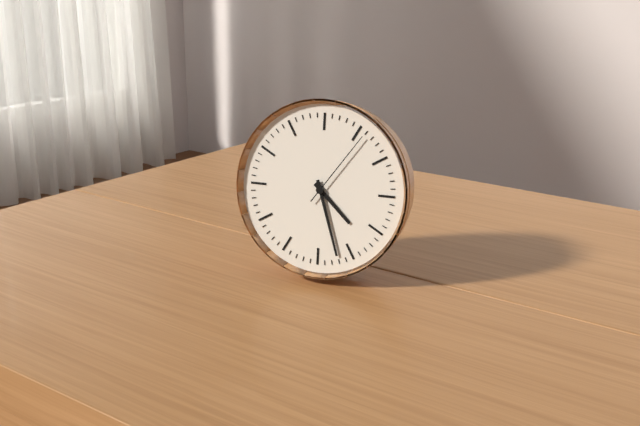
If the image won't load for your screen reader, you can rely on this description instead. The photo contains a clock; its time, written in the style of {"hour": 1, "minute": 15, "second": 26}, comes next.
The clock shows {"hour": 4, "minute": 27, "second": 6}
